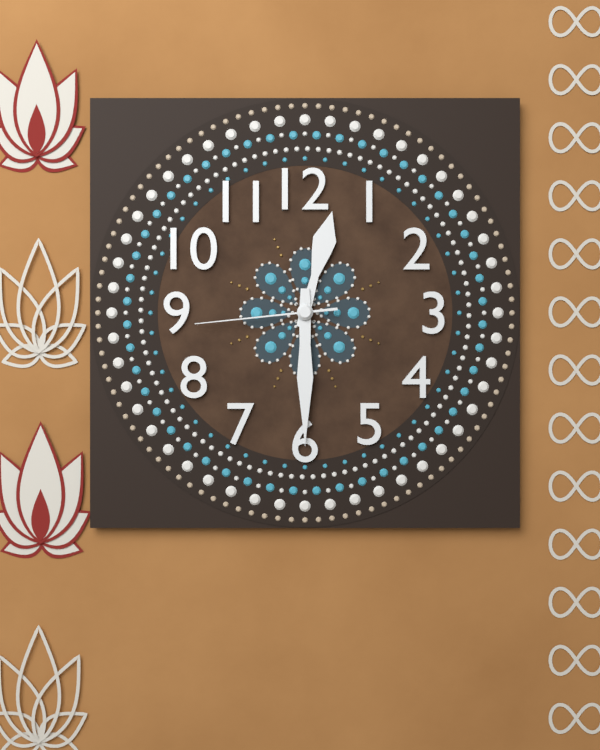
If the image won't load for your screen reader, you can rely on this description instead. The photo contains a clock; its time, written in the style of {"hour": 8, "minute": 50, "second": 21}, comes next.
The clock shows {"hour": 12, "minute": 30, "second": 44}
